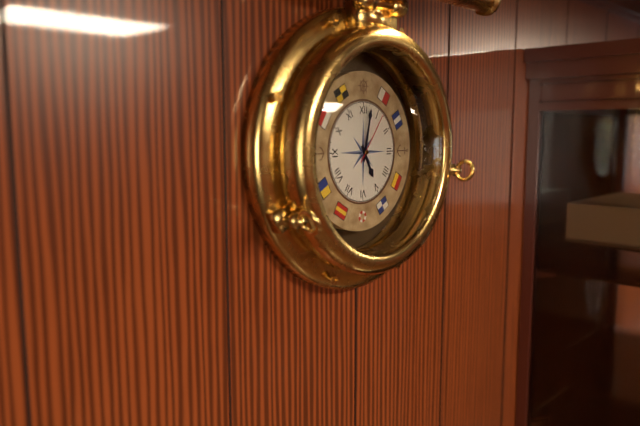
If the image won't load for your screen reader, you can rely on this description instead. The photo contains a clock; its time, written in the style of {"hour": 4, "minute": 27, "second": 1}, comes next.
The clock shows {"hour": 5, "minute": 2, "second": 6}
